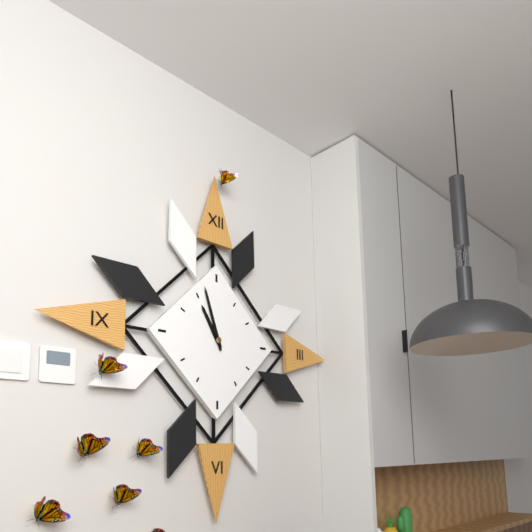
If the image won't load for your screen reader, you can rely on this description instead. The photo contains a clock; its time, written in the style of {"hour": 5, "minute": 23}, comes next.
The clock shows {"hour": 10, "minute": 57}
